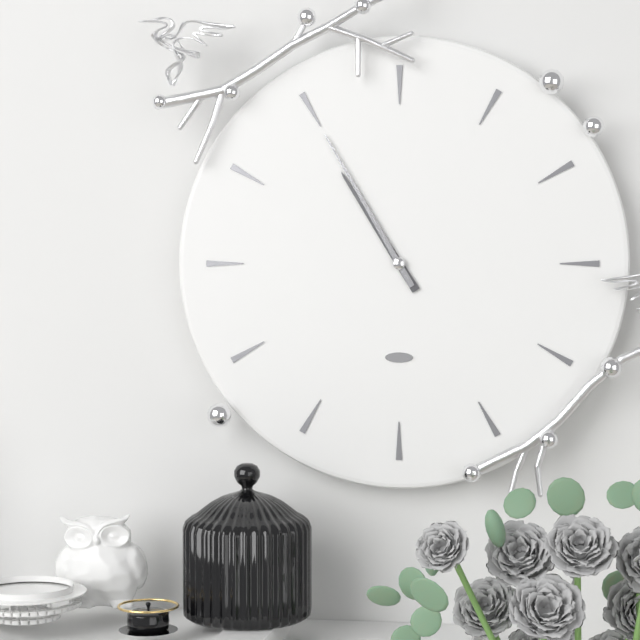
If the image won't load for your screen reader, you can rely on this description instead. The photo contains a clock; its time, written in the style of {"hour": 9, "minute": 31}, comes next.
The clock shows {"hour": 10, "minute": 55}
